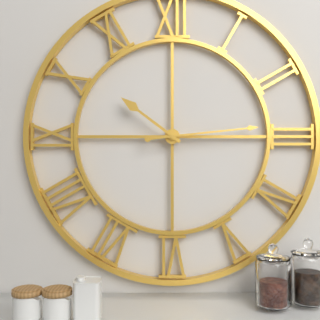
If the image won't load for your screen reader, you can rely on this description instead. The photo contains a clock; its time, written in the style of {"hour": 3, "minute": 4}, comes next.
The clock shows {"hour": 10, "minute": 14}
